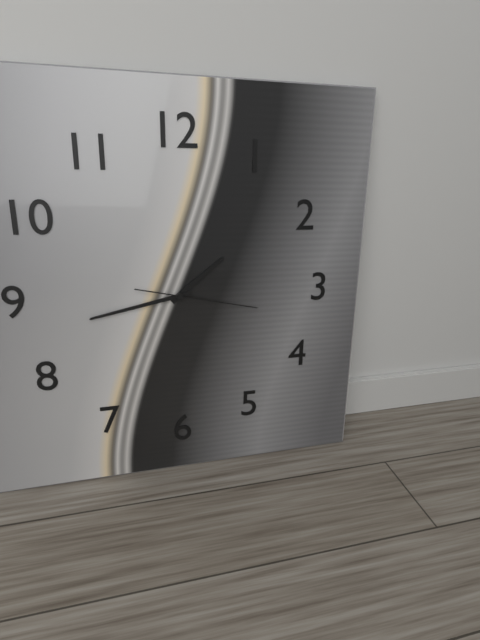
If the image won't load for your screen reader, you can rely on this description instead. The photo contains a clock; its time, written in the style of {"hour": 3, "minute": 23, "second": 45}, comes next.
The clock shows {"hour": 1, "minute": 43, "second": 17}
